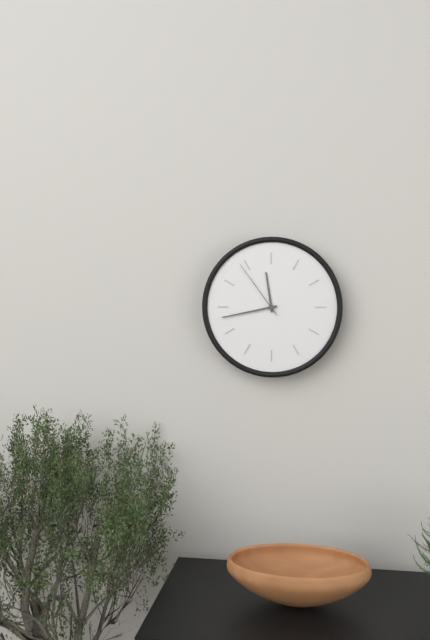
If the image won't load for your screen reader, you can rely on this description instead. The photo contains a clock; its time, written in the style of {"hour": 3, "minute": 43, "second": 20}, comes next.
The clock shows {"hour": 11, "minute": 43, "second": 54}
